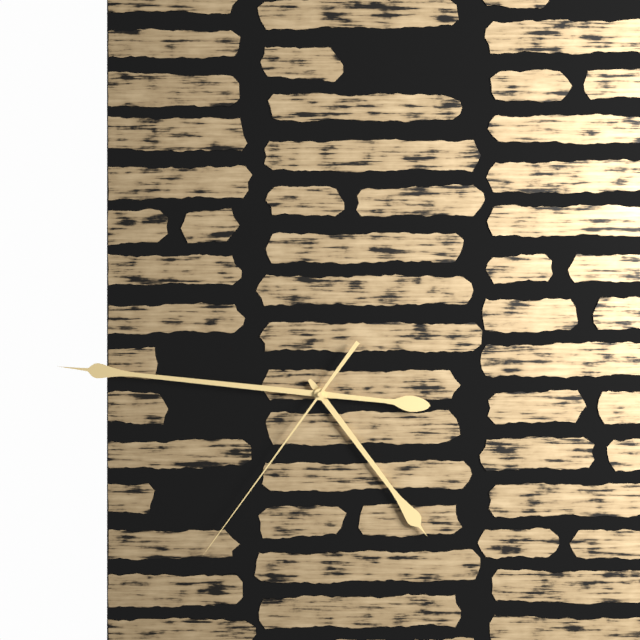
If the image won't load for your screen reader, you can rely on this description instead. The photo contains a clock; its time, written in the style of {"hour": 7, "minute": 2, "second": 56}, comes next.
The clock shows {"hour": 4, "minute": 46, "second": 36}
